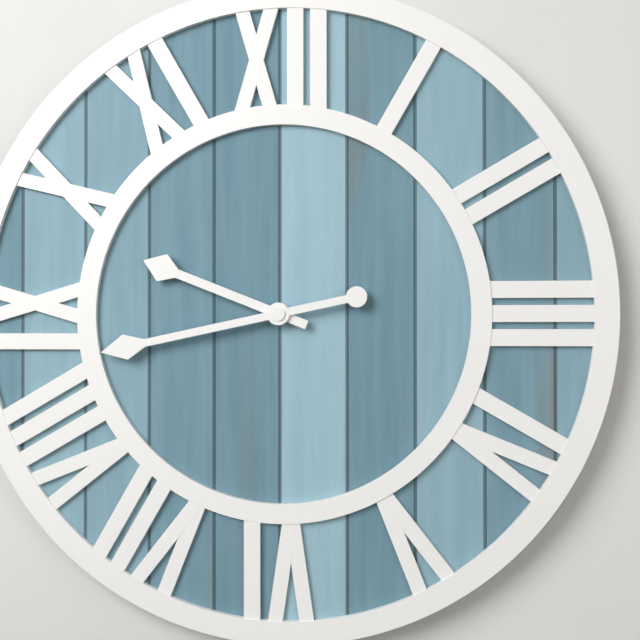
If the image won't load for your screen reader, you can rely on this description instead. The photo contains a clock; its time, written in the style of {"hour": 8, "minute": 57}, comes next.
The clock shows {"hour": 9, "minute": 43}
